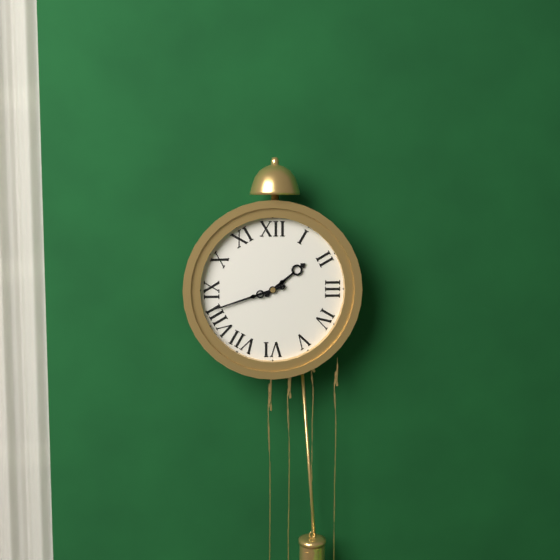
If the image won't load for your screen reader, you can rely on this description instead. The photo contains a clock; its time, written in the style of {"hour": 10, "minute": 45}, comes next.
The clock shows {"hour": 1, "minute": 42}
